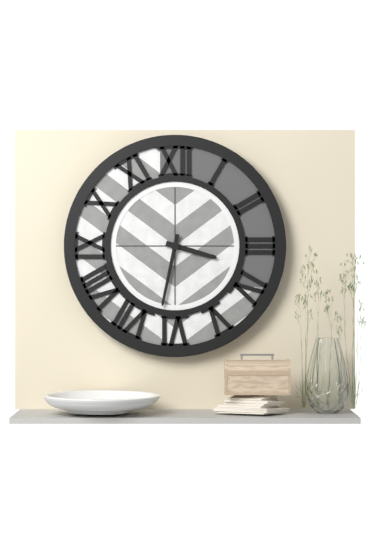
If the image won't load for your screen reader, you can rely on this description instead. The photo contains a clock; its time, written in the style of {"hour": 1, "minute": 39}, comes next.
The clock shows {"hour": 3, "minute": 32}
